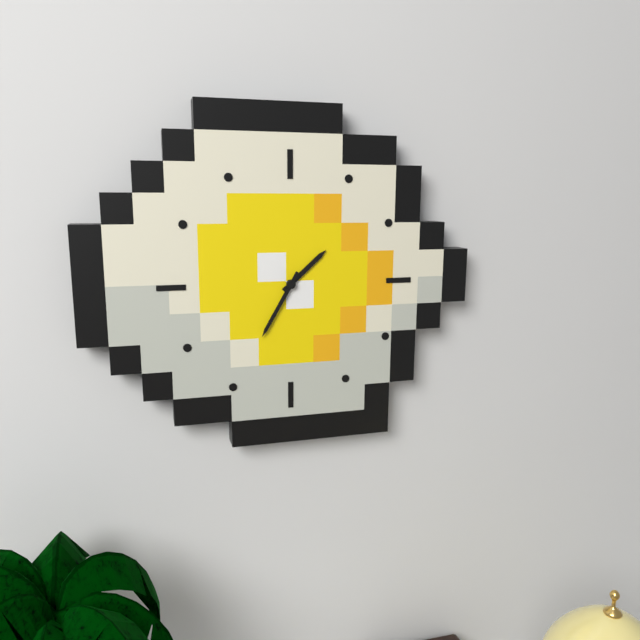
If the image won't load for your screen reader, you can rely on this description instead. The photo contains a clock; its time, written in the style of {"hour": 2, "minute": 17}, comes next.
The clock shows {"hour": 1, "minute": 35}
